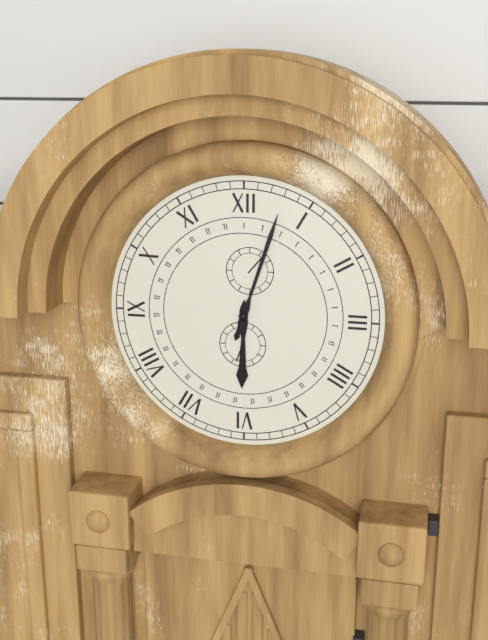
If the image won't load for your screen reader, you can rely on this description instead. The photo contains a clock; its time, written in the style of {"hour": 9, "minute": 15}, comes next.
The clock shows {"hour": 6, "minute": 3}
